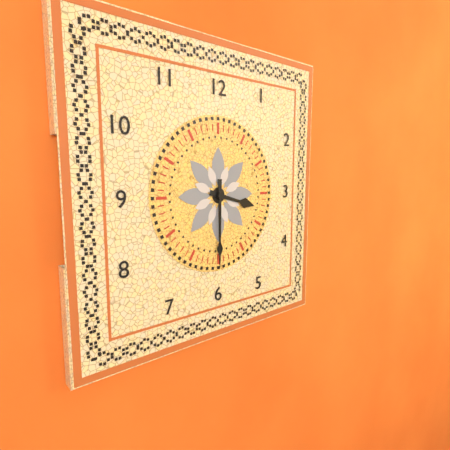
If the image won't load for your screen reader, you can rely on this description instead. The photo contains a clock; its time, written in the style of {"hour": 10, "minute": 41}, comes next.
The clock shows {"hour": 3, "minute": 30}
